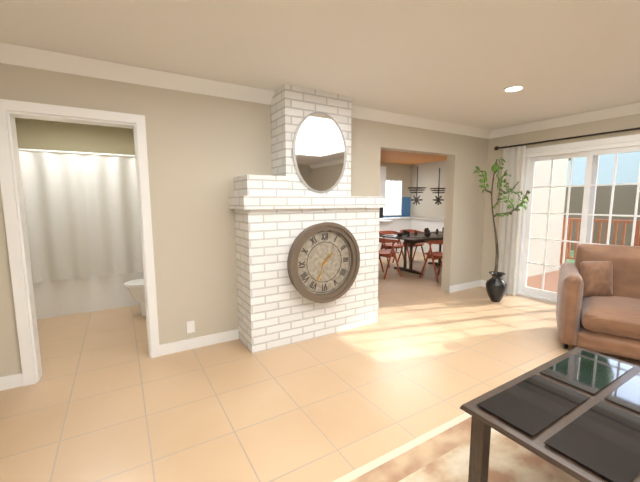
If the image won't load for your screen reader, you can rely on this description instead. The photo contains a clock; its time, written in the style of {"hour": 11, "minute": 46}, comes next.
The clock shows {"hour": 1, "minute": 34}
